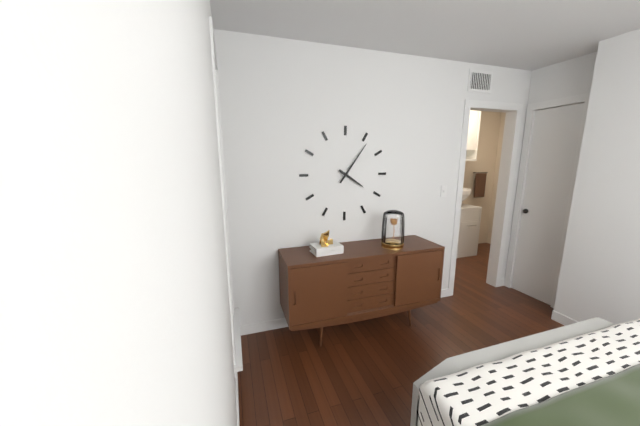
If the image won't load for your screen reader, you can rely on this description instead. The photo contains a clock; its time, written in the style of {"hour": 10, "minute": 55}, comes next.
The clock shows {"hour": 4, "minute": 6}
